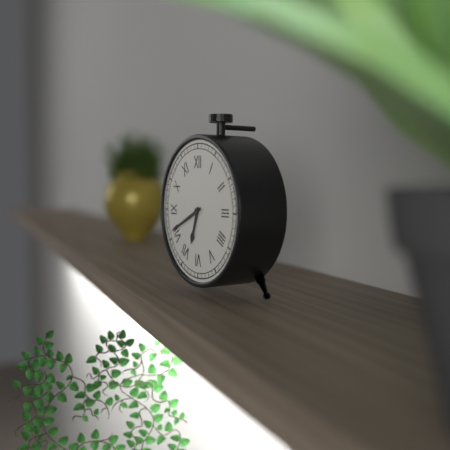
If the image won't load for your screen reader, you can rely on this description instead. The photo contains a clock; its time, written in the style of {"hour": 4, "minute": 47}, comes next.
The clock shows {"hour": 6, "minute": 41}
